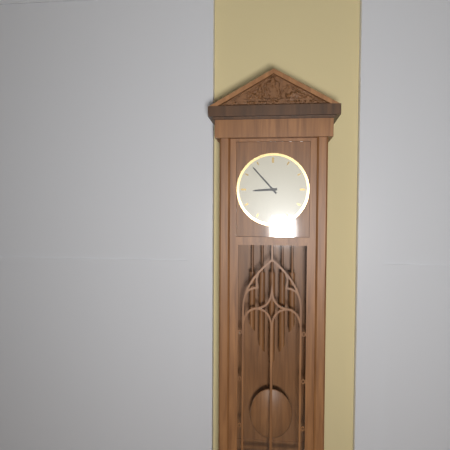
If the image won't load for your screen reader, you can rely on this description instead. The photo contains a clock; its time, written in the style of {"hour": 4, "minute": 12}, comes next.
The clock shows {"hour": 8, "minute": 53}
